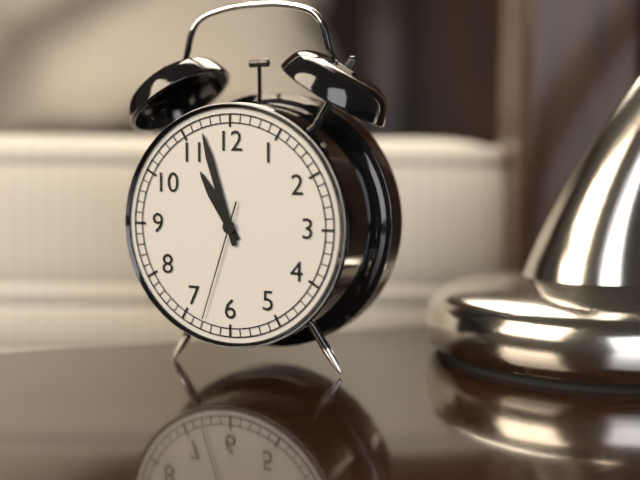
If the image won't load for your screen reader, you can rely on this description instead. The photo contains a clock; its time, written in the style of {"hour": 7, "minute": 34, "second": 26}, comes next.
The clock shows {"hour": 10, "minute": 57, "second": 33}
